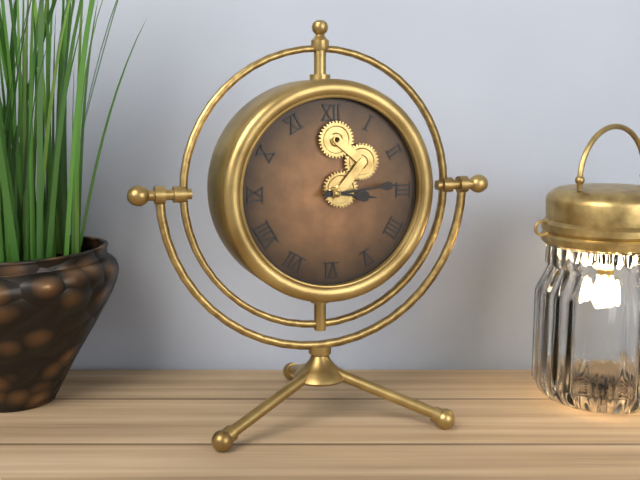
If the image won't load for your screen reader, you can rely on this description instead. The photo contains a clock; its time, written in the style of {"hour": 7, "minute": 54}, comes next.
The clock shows {"hour": 3, "minute": 14}
